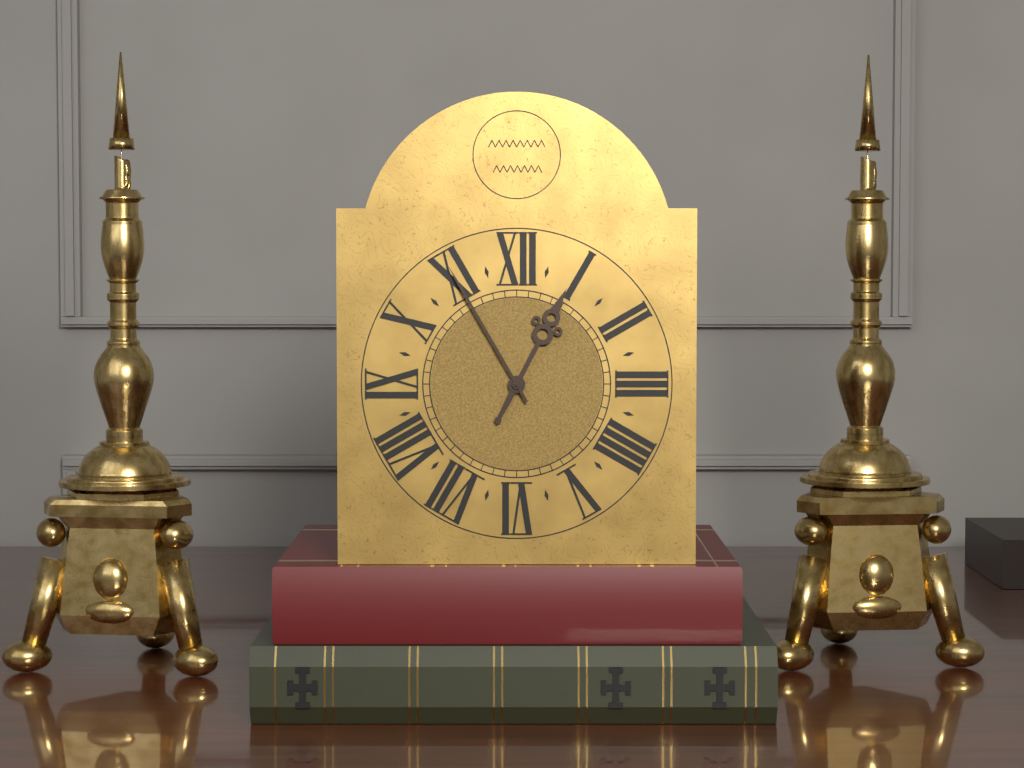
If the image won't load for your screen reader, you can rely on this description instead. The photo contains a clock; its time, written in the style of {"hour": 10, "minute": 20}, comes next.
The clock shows {"hour": 12, "minute": 55}
